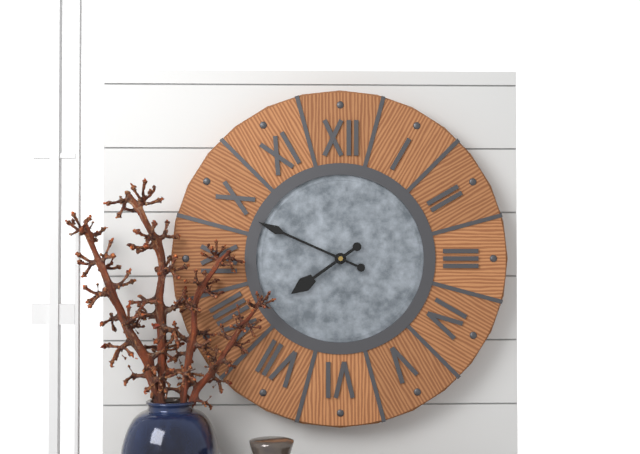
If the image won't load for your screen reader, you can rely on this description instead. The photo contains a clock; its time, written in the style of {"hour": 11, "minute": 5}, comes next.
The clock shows {"hour": 7, "minute": 49}
